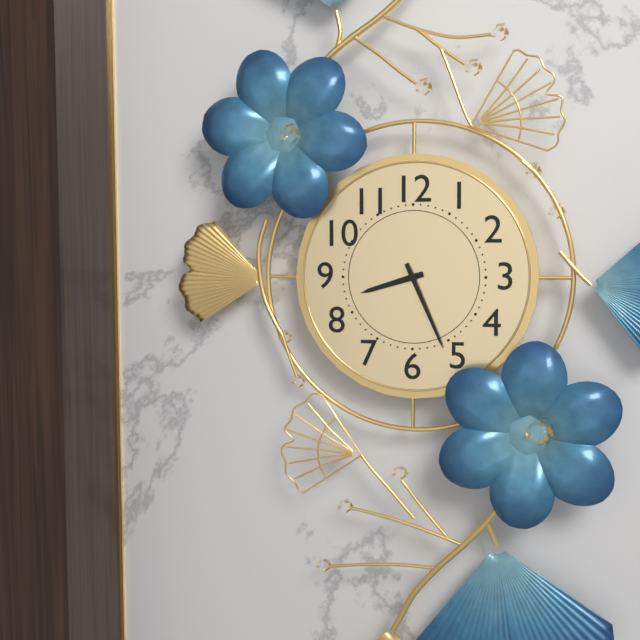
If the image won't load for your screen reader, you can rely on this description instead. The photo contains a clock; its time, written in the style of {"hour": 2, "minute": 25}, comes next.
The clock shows {"hour": 8, "minute": 26}
